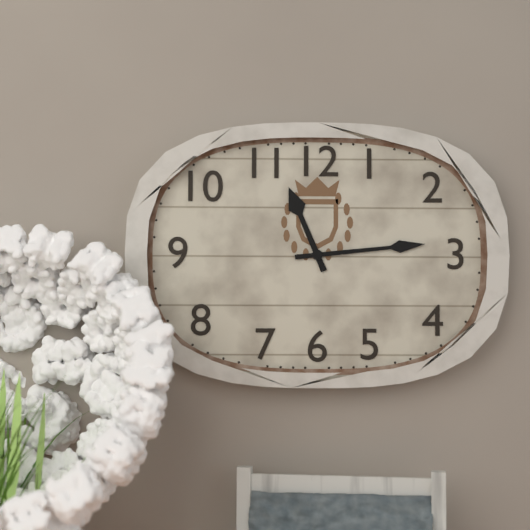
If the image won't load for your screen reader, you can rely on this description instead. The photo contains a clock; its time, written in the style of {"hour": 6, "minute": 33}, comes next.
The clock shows {"hour": 11, "minute": 14}
